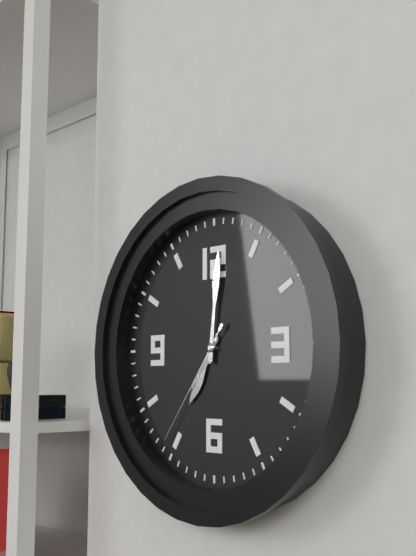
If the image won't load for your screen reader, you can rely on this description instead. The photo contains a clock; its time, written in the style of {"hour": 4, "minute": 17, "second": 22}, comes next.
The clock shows {"hour": 7, "minute": 1, "second": 36}
